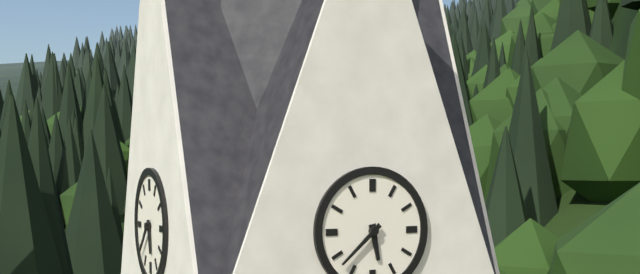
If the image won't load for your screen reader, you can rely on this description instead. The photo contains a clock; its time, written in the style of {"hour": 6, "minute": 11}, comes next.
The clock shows {"hour": 5, "minute": 38}
